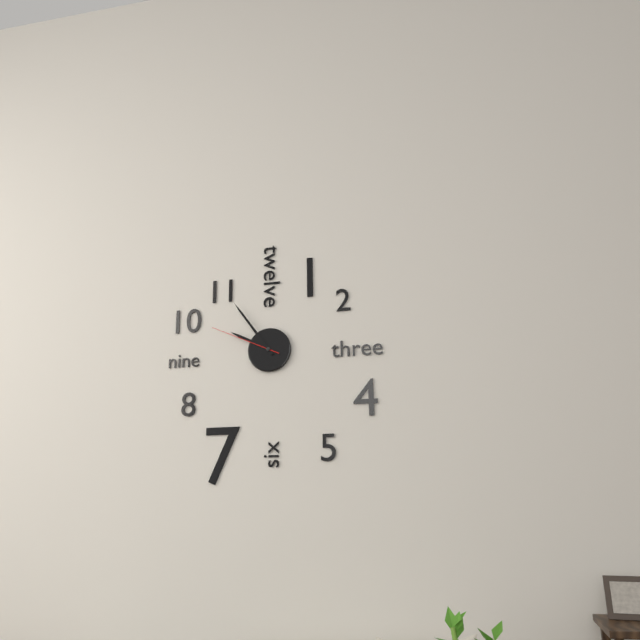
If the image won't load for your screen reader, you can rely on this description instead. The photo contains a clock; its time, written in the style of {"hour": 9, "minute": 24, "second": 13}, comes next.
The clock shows {"hour": 9, "minute": 54, "second": 49}
